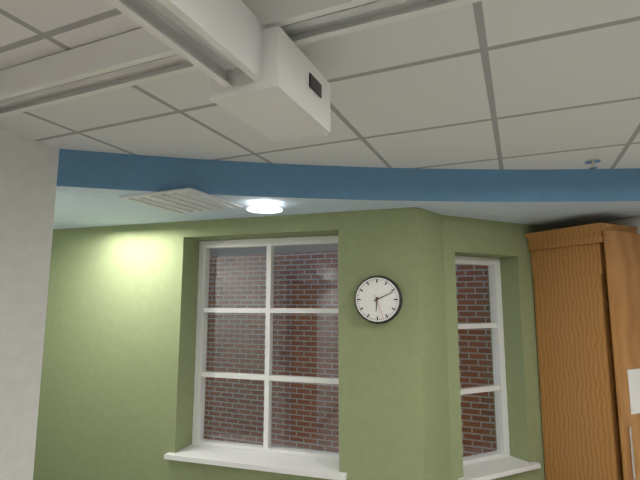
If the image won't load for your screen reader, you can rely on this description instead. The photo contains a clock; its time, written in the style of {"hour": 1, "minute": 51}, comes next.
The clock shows {"hour": 6, "minute": 11}
